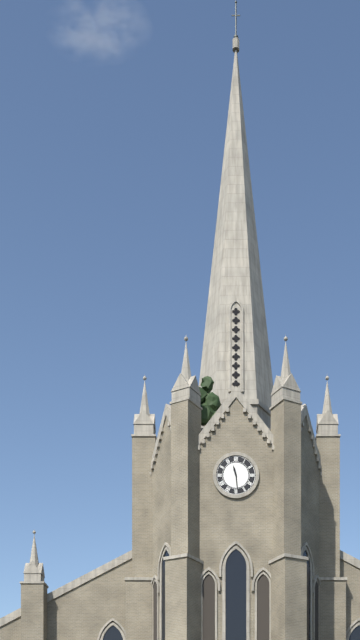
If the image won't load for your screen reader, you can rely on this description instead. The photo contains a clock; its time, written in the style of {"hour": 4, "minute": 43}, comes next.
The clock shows {"hour": 11, "minute": 29}
